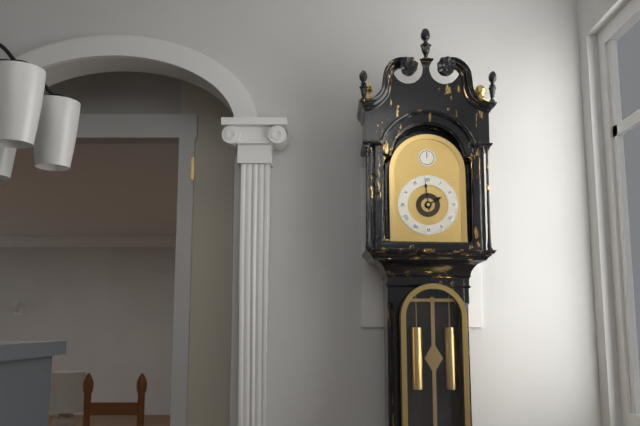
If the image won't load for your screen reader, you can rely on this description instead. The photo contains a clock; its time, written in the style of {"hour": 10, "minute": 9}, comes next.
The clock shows {"hour": 1, "minute": 59}
